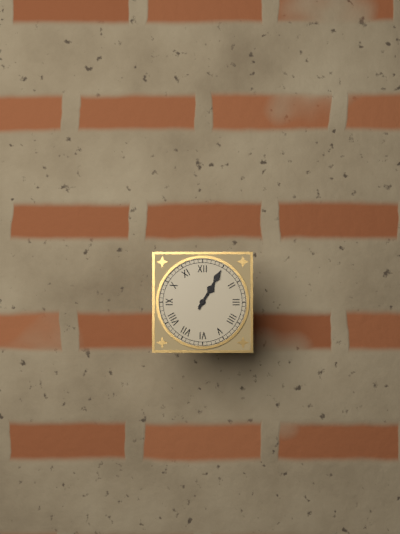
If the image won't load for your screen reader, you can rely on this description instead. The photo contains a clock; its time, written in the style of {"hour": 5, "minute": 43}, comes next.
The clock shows {"hour": 1, "minute": 5}
